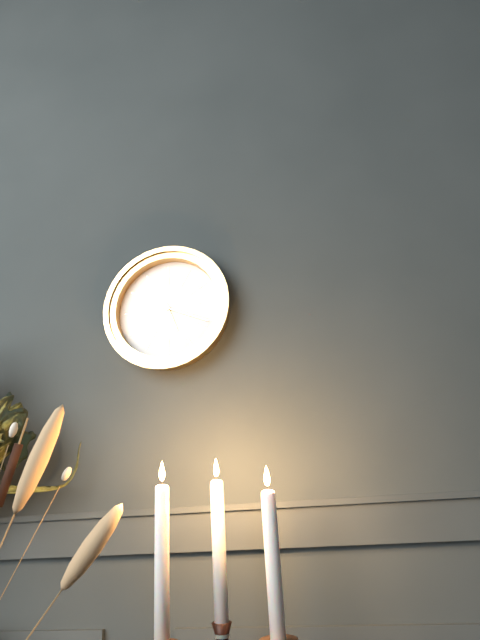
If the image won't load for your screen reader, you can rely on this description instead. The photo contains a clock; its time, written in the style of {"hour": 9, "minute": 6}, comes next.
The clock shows {"hour": 5, "minute": 19}
